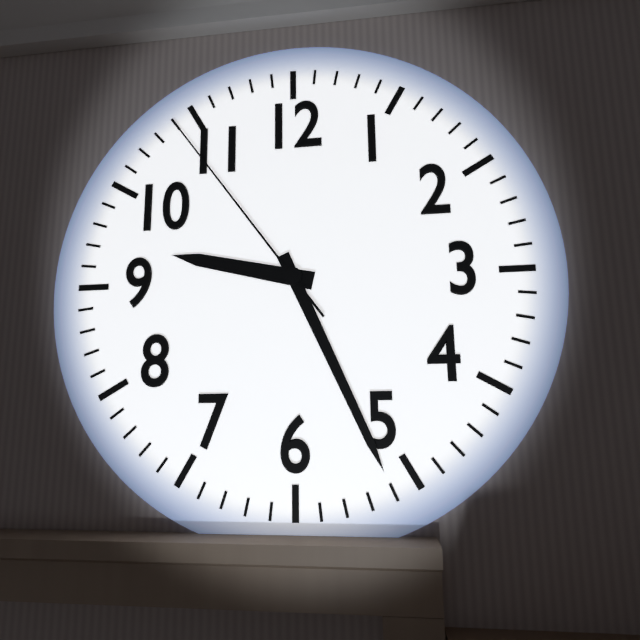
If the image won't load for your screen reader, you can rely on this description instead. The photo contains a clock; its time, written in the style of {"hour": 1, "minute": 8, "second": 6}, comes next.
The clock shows {"hour": 9, "minute": 26, "second": 54}
